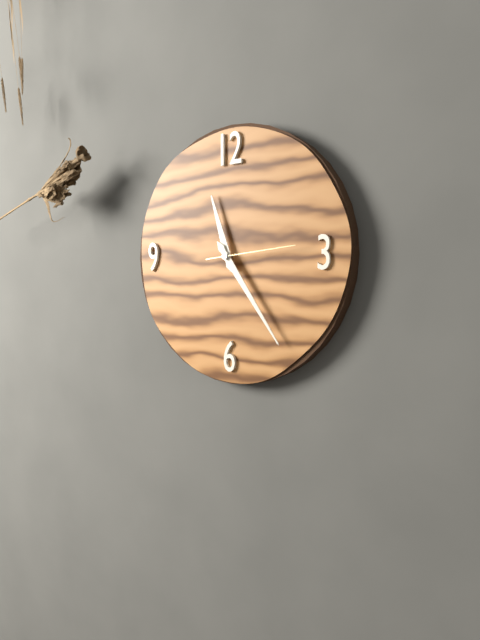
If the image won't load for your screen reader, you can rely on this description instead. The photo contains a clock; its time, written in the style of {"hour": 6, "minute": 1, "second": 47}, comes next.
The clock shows {"hour": 11, "minute": 24, "second": 14}
